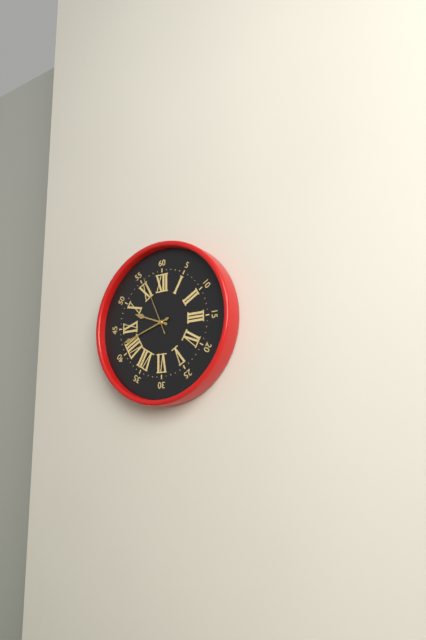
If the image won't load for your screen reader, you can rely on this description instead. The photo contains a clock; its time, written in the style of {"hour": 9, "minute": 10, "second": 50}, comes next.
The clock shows {"hour": 9, "minute": 42, "second": 56}
